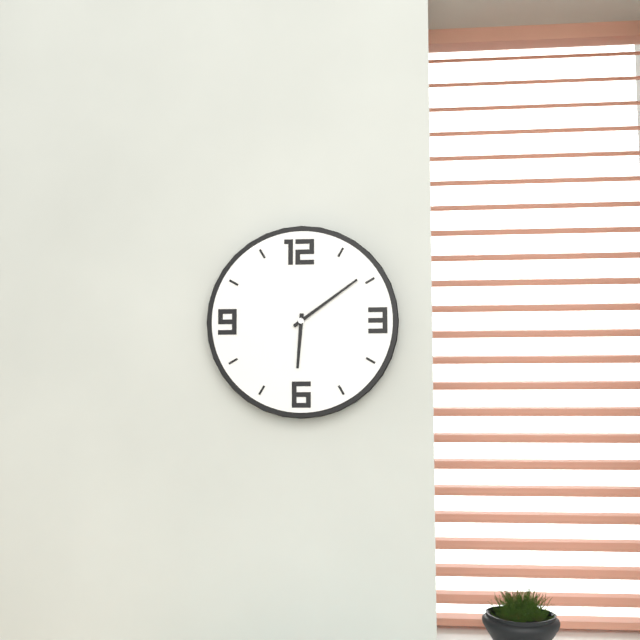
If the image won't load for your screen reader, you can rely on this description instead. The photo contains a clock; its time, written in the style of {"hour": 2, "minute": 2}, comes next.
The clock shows {"hour": 6, "minute": 9}
